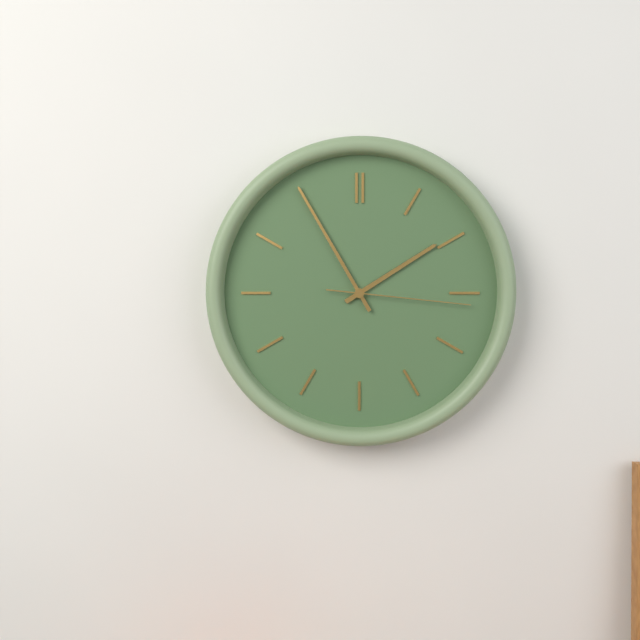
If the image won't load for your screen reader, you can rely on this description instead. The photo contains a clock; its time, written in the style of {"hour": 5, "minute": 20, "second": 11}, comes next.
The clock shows {"hour": 1, "minute": 55, "second": 16}
